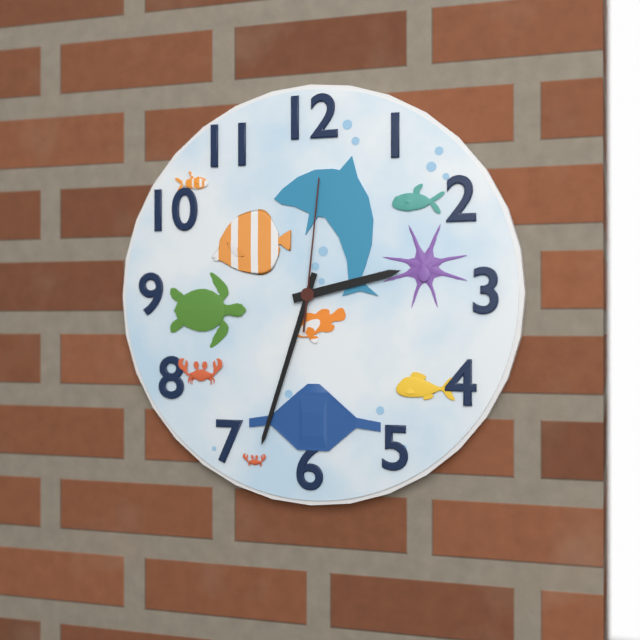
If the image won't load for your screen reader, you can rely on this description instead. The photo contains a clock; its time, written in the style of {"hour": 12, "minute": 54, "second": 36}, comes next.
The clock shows {"hour": 2, "minute": 33, "second": 1}
